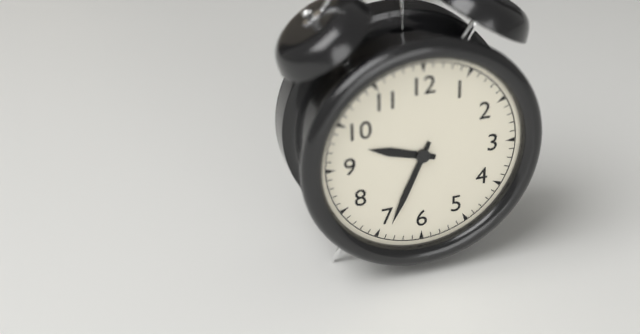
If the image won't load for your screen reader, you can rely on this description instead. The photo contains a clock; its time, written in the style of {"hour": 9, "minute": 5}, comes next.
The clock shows {"hour": 9, "minute": 34}
